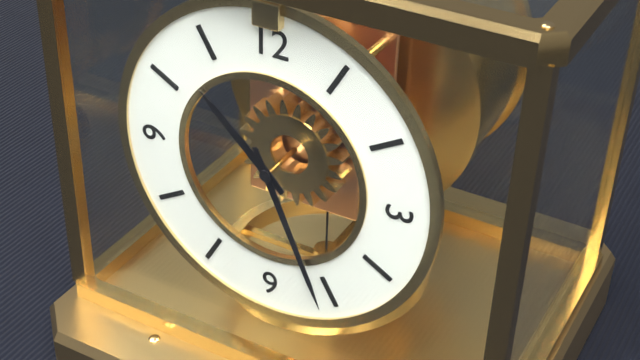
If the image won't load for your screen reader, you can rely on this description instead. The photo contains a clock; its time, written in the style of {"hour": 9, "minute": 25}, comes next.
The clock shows {"hour": 10, "minute": 26}
